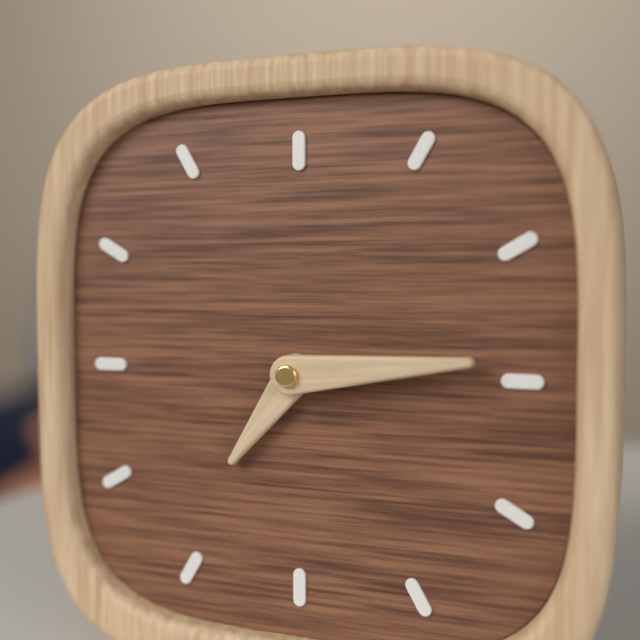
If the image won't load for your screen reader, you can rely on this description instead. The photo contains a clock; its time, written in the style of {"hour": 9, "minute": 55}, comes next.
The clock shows {"hour": 7, "minute": 14}
